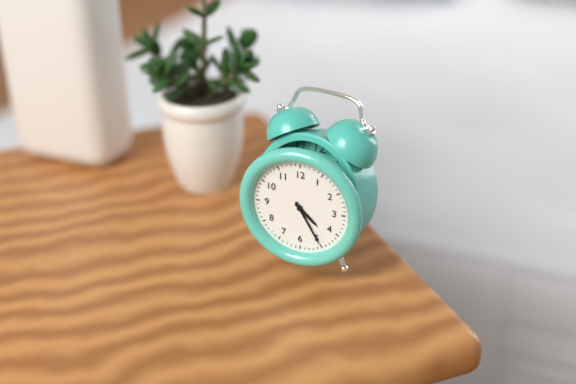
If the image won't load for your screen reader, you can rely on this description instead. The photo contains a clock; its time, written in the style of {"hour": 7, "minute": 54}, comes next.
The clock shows {"hour": 4, "minute": 25}
